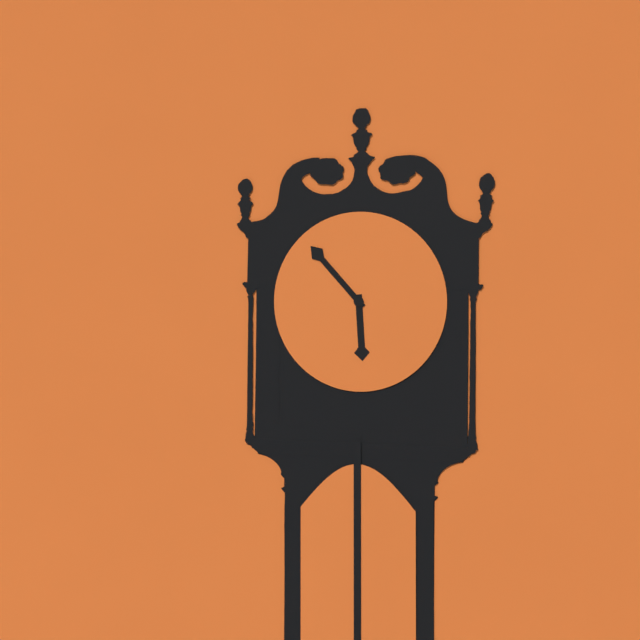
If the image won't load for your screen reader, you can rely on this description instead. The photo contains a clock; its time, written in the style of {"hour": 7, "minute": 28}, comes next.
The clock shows {"hour": 5, "minute": 53}
